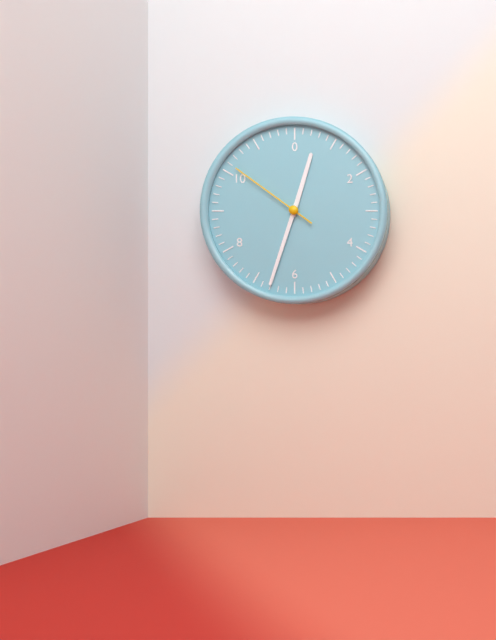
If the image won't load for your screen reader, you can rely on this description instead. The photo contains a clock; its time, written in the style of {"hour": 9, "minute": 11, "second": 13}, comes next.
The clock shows {"hour": 12, "minute": 33, "second": 51}
